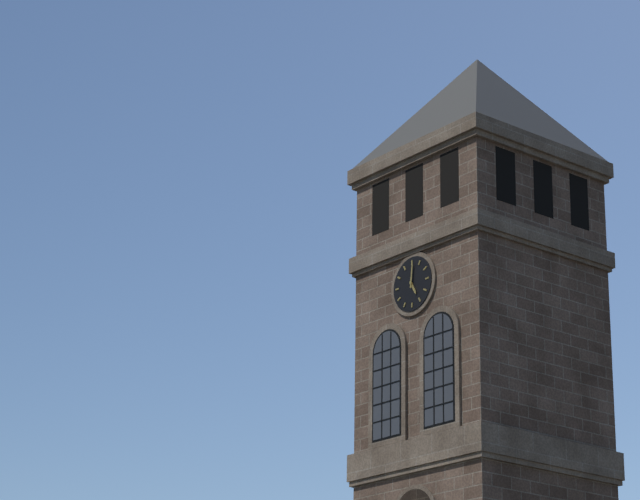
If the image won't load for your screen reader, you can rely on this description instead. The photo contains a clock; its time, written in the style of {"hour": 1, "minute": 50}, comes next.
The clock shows {"hour": 5, "minute": 1}
